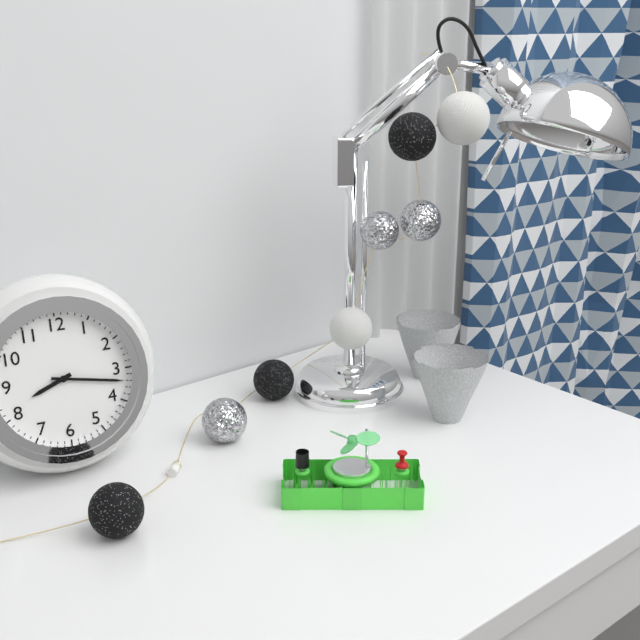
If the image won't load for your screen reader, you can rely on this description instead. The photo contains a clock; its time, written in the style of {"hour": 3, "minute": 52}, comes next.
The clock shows {"hour": 8, "minute": 17}
